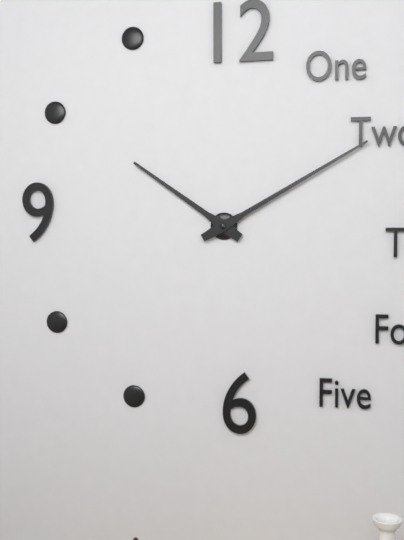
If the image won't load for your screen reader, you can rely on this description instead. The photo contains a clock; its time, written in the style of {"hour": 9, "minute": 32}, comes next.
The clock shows {"hour": 10, "minute": 10}
